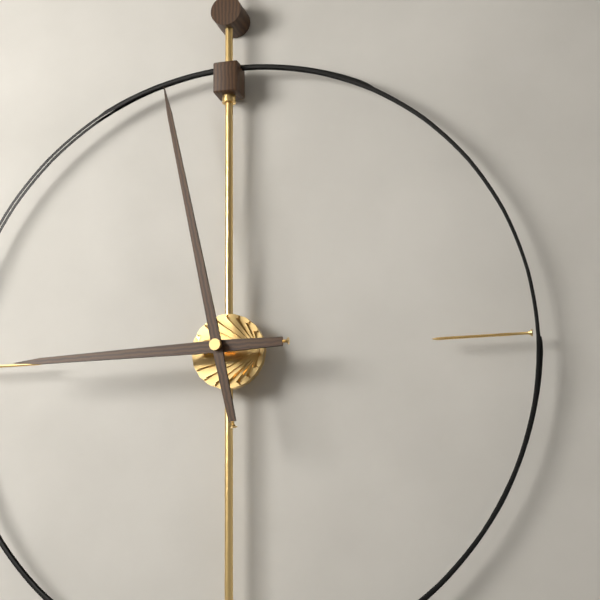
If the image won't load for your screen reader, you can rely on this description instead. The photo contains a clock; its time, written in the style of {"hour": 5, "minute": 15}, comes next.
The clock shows {"hour": 8, "minute": 58}
